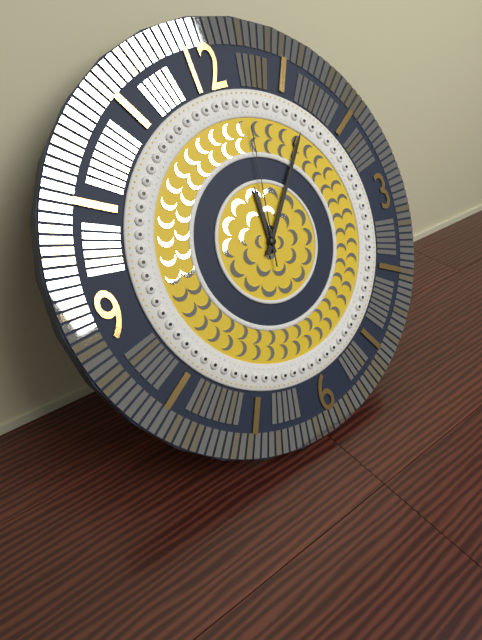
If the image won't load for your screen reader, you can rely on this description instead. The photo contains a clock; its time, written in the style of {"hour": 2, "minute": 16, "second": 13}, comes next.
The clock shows {"hour": 12, "minute": 7, "second": 2}
